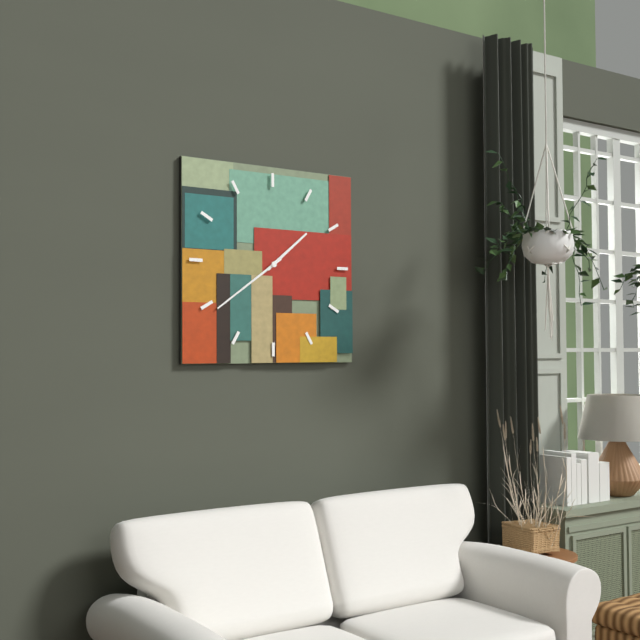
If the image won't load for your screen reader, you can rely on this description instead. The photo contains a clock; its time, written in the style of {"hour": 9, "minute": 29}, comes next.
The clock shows {"hour": 1, "minute": 39}
